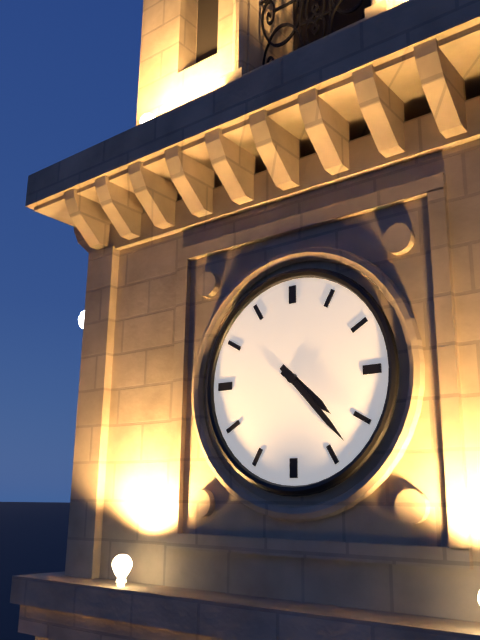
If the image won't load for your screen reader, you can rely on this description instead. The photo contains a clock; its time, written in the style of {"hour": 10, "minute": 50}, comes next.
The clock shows {"hour": 4, "minute": 23}
